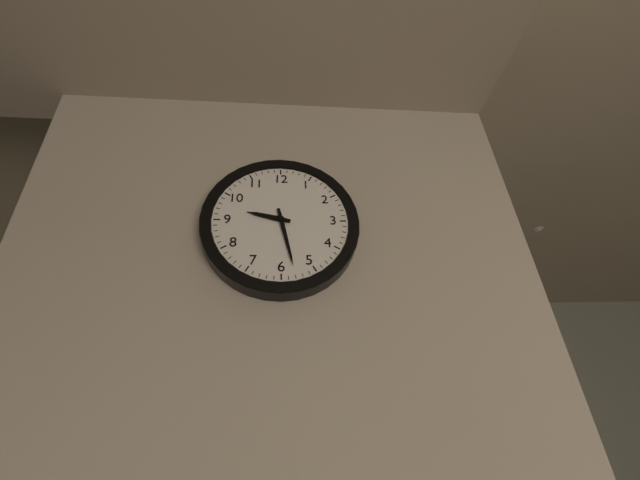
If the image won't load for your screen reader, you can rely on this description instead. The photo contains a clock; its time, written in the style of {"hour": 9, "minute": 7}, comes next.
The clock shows {"hour": 9, "minute": 28}
